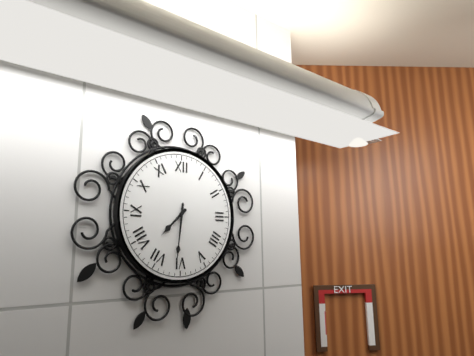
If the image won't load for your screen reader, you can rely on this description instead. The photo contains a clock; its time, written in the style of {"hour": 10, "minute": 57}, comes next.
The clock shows {"hour": 7, "minute": 31}
